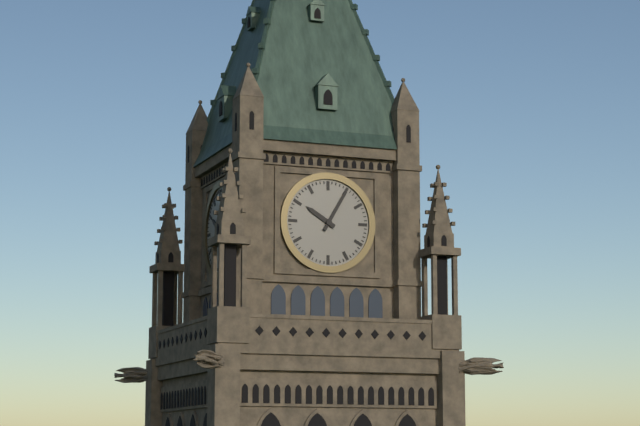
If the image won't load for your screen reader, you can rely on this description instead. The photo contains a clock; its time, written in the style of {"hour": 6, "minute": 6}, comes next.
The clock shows {"hour": 10, "minute": 5}
